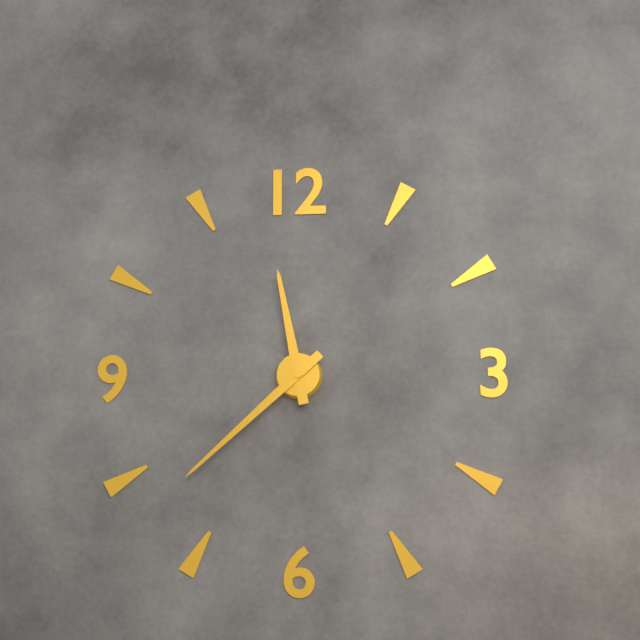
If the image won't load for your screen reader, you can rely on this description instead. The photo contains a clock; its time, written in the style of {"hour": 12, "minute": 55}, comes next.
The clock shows {"hour": 11, "minute": 38}
